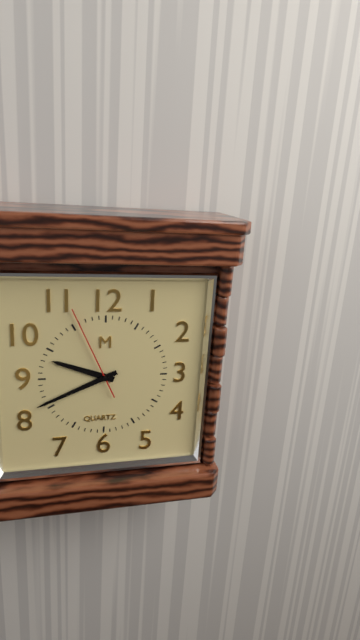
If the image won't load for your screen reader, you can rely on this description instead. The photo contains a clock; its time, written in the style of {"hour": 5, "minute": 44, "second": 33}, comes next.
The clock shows {"hour": 9, "minute": 41, "second": 56}
